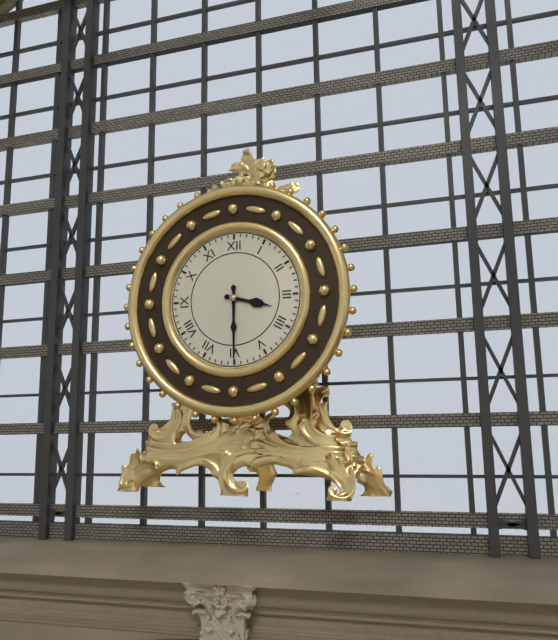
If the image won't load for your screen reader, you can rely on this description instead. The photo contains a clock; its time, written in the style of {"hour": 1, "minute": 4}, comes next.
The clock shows {"hour": 3, "minute": 30}
